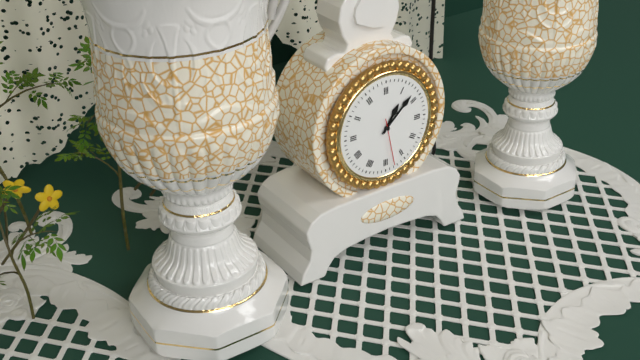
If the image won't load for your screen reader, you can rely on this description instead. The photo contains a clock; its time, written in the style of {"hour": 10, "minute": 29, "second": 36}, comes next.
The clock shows {"hour": 1, "minute": 8, "second": 28}
